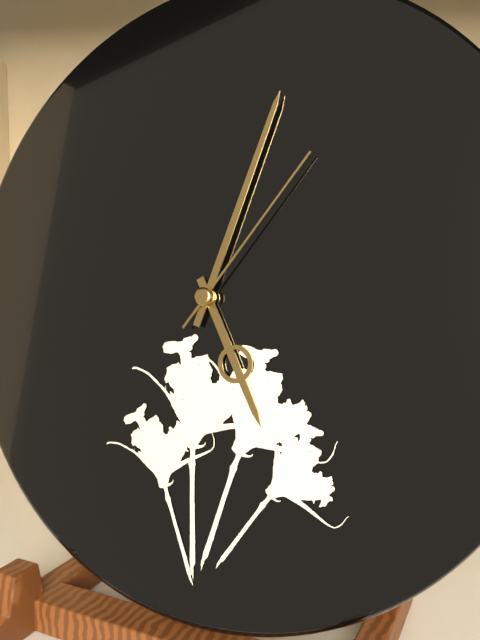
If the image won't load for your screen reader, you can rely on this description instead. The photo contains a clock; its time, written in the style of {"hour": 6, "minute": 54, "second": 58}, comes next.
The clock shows {"hour": 5, "minute": 3, "second": 6}
